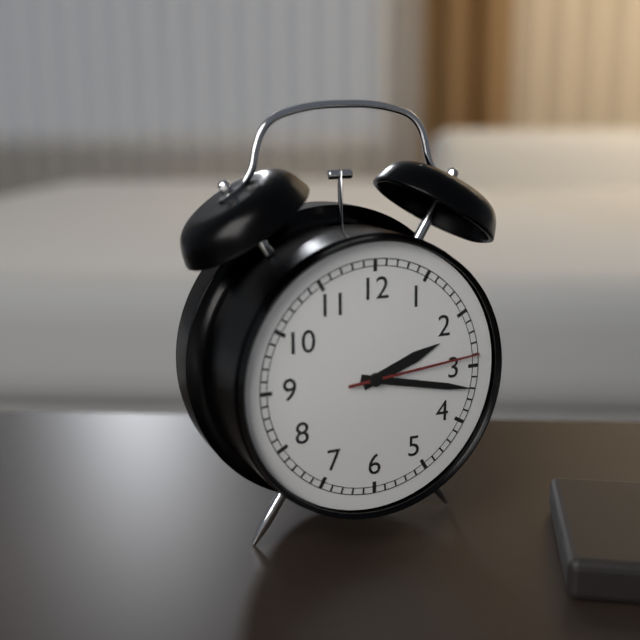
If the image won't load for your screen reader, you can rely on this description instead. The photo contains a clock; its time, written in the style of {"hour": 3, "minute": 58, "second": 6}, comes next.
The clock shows {"hour": 2, "minute": 17, "second": 14}
